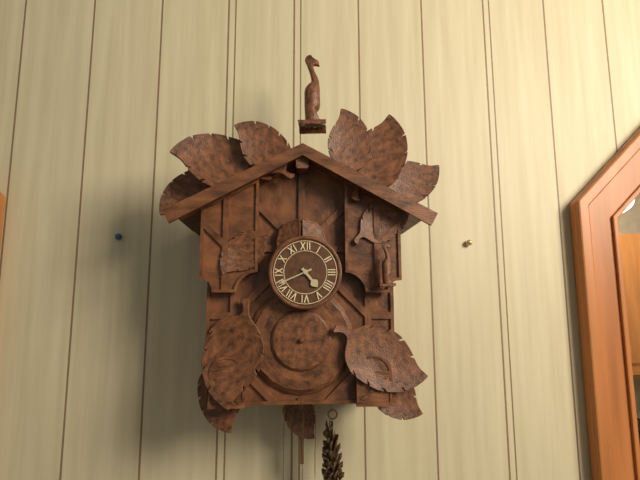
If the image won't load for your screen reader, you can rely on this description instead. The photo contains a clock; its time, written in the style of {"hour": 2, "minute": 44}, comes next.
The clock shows {"hour": 4, "minute": 41}
